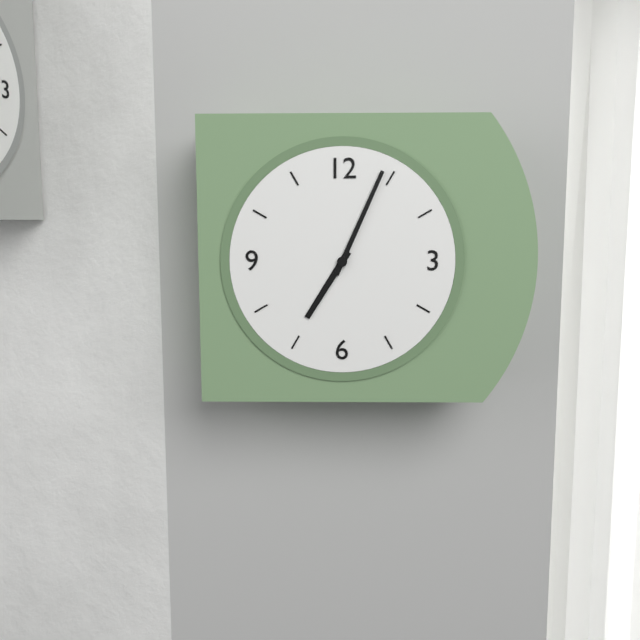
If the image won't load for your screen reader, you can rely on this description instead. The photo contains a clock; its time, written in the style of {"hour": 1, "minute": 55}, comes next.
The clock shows {"hour": 7, "minute": 4}
